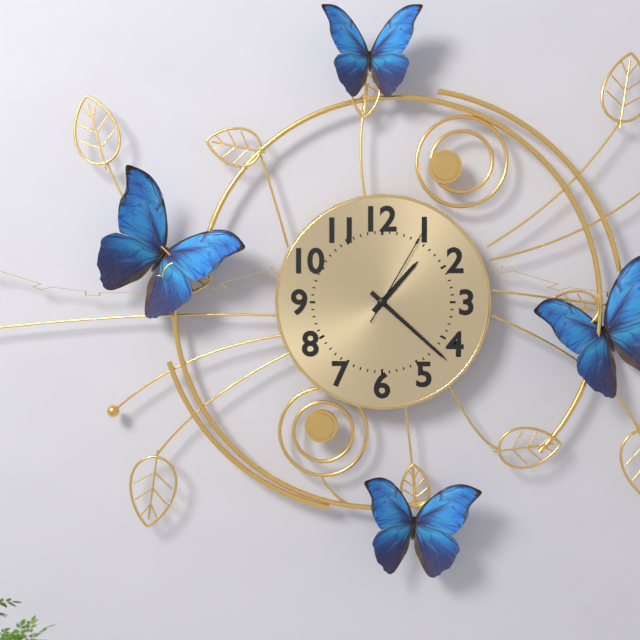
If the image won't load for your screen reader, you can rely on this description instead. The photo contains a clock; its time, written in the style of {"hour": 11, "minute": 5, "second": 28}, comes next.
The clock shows {"hour": 1, "minute": 22, "second": 5}
